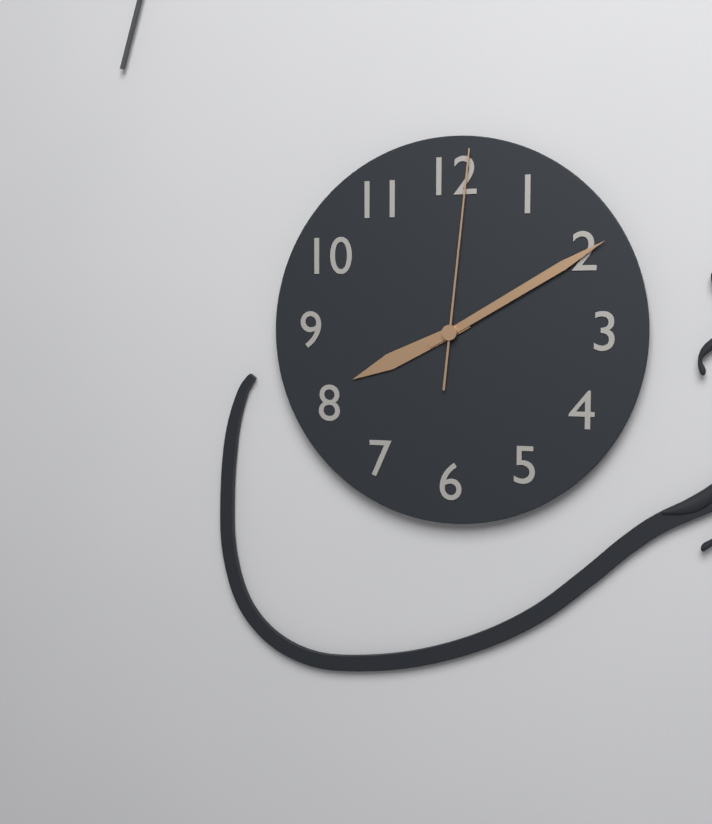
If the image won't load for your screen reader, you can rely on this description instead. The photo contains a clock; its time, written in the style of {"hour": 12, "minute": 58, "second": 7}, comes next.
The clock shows {"hour": 8, "minute": 10, "second": 1}
